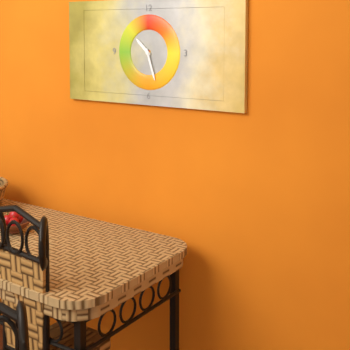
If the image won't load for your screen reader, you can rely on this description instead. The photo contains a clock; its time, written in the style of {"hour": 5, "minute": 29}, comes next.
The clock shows {"hour": 10, "minute": 27}
